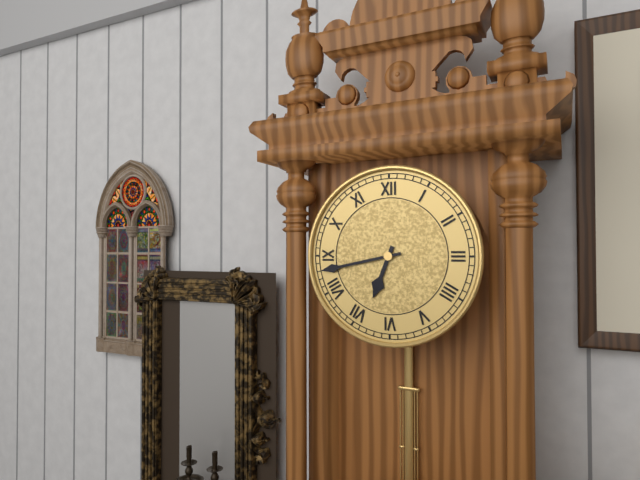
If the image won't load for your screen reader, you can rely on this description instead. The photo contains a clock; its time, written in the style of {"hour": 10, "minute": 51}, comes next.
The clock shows {"hour": 6, "minute": 43}
